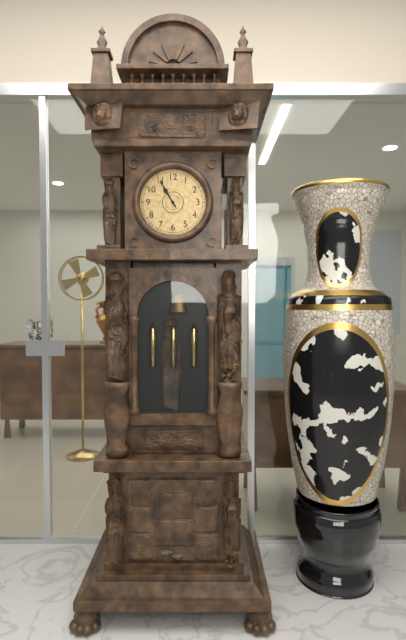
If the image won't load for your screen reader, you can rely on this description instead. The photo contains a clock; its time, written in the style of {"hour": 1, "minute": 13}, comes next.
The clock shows {"hour": 10, "minute": 55}
